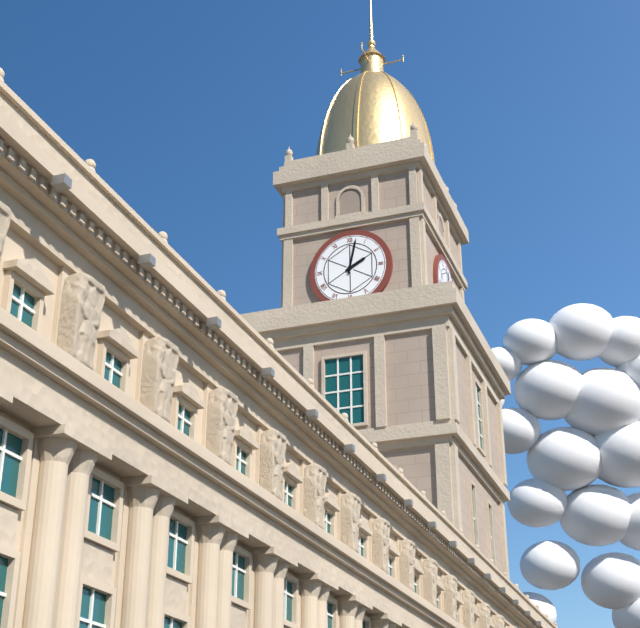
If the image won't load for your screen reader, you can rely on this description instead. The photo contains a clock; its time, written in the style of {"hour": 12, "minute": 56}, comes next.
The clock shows {"hour": 2, "minute": 2}
